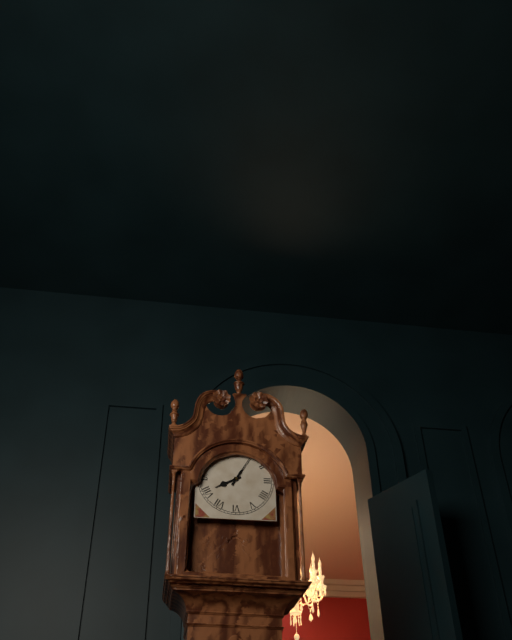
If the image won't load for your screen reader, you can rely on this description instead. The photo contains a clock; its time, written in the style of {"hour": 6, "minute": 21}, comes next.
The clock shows {"hour": 8, "minute": 5}
